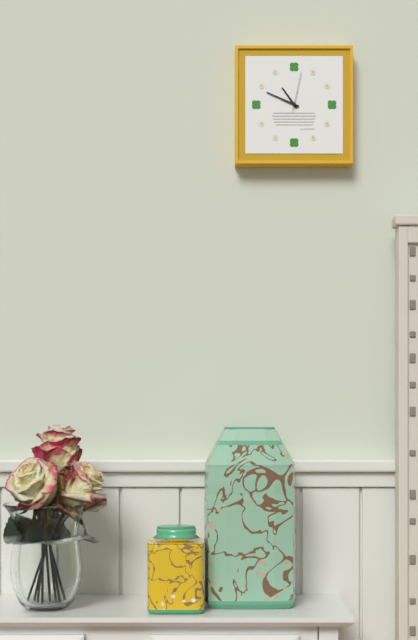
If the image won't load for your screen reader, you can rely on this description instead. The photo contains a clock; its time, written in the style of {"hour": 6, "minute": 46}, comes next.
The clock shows {"hour": 10, "minute": 49}
